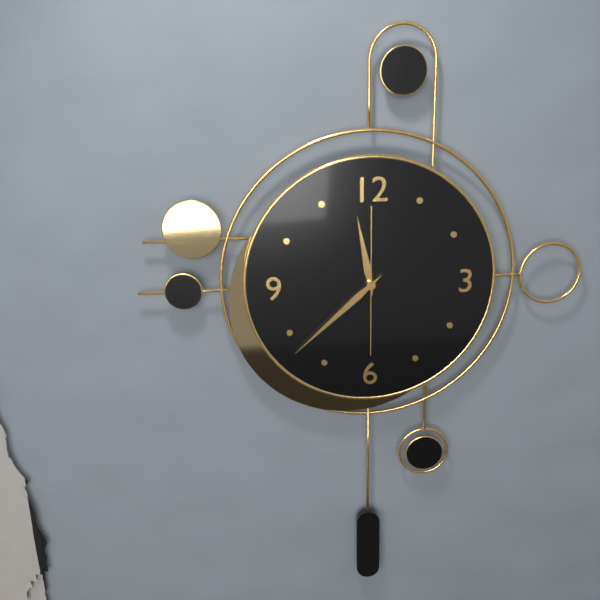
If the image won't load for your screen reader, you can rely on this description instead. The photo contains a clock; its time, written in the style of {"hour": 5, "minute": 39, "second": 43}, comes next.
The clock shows {"hour": 11, "minute": 38, "second": 0}
